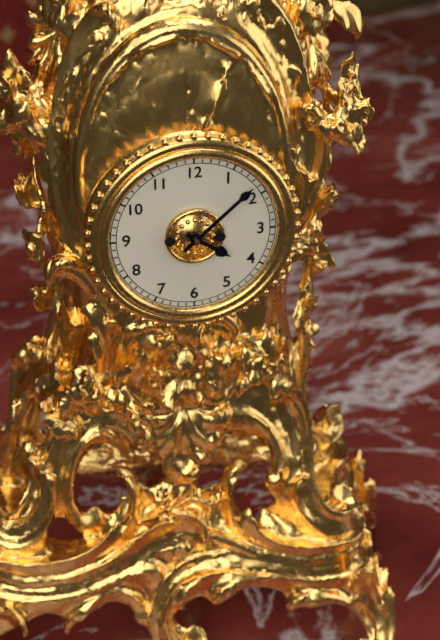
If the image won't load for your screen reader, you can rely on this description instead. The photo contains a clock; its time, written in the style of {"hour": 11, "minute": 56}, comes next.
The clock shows {"hour": 4, "minute": 8}
